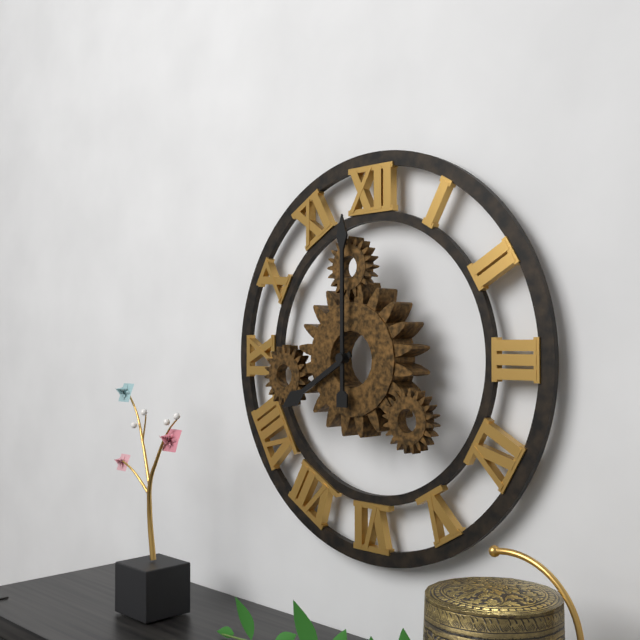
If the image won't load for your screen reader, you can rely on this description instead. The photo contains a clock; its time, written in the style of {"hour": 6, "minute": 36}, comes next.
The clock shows {"hour": 8, "minute": 0}
